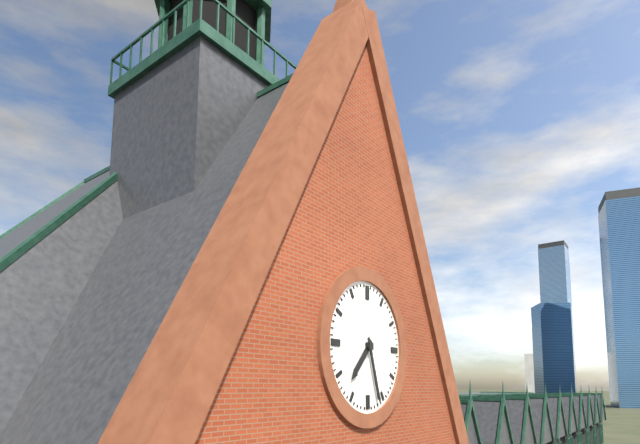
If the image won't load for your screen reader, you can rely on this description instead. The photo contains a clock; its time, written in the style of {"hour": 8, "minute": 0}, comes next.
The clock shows {"hour": 7, "minute": 27}
